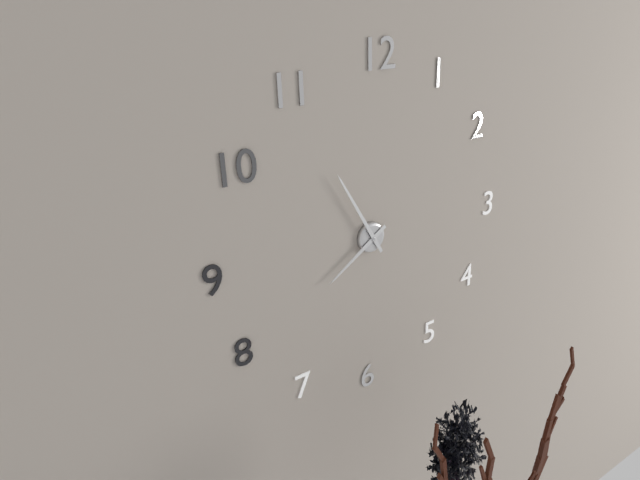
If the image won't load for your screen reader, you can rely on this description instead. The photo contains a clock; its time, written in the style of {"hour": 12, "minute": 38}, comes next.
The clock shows {"hour": 7, "minute": 55}
